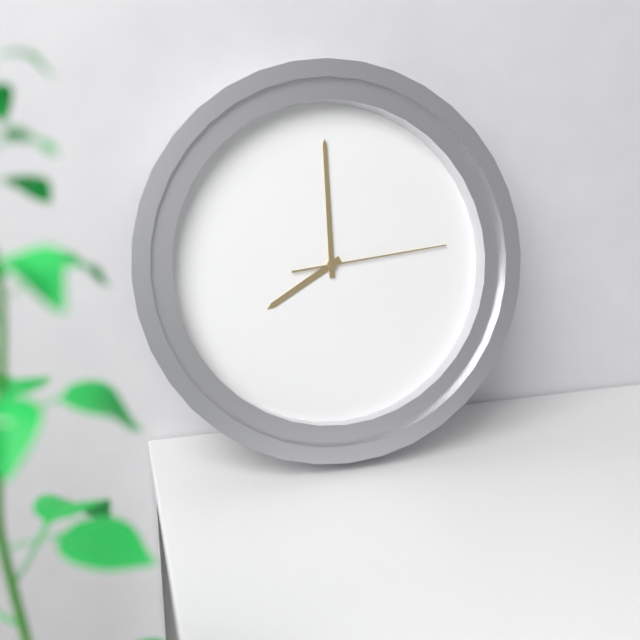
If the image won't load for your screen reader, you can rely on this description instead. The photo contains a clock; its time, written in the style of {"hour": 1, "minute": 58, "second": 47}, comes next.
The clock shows {"hour": 8, "minute": 0, "second": 14}
